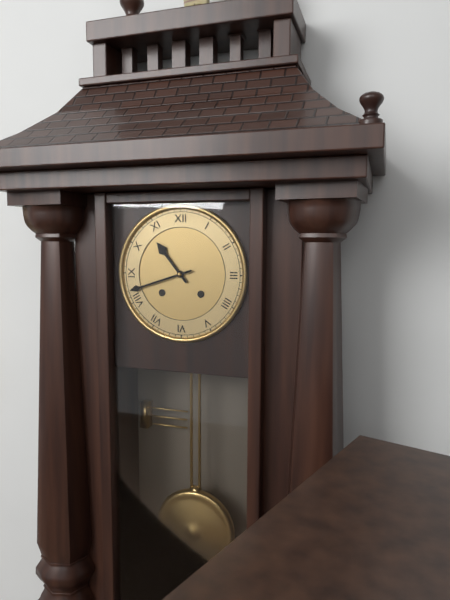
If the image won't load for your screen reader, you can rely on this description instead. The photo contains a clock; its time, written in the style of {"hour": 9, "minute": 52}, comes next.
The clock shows {"hour": 10, "minute": 42}
